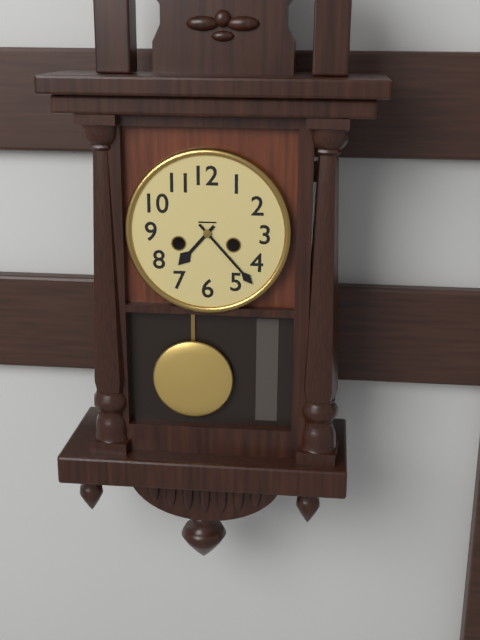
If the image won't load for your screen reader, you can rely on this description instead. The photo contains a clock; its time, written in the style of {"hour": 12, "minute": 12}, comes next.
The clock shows {"hour": 7, "minute": 23}
